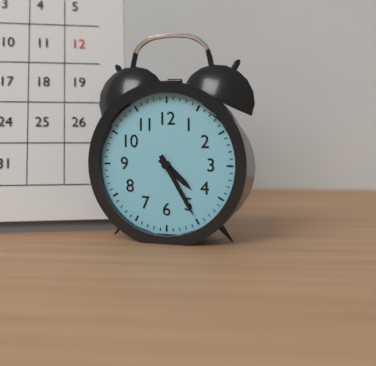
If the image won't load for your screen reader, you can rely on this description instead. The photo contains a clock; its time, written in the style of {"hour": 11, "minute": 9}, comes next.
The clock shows {"hour": 4, "minute": 25}
